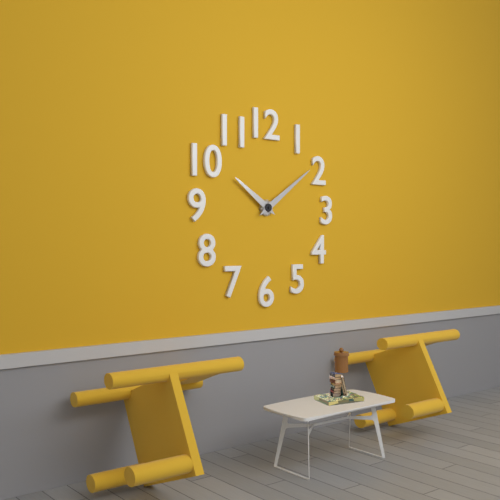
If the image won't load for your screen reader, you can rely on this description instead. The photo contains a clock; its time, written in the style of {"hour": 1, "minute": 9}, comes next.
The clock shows {"hour": 10, "minute": 9}
